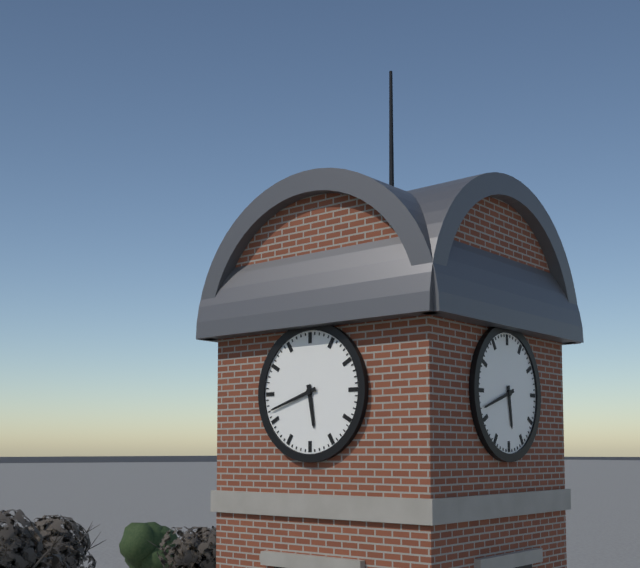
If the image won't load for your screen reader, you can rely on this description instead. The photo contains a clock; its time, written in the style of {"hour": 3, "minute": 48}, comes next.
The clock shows {"hour": 5, "minute": 42}
